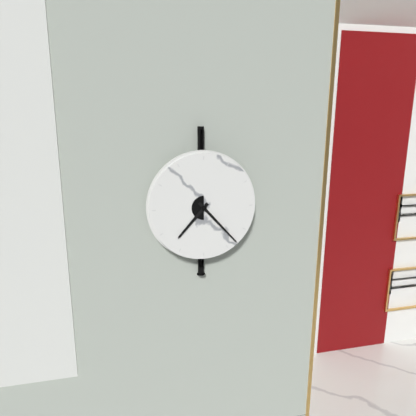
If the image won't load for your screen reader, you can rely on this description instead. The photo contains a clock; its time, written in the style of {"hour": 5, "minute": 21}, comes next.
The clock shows {"hour": 7, "minute": 23}
